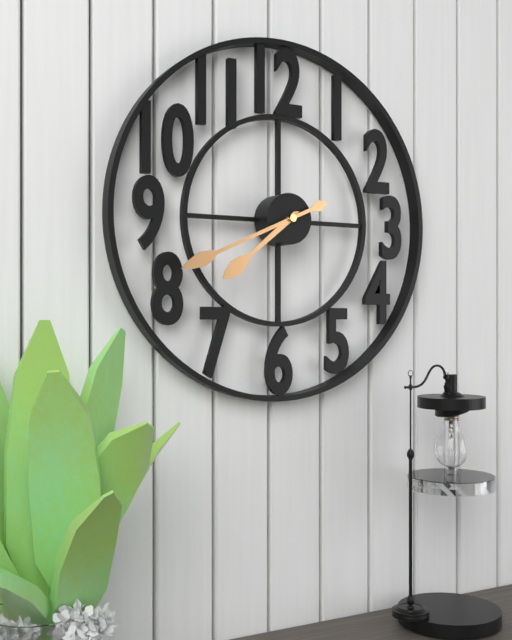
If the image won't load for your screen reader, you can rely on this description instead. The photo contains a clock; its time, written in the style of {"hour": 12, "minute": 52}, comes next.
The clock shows {"hour": 7, "minute": 41}
